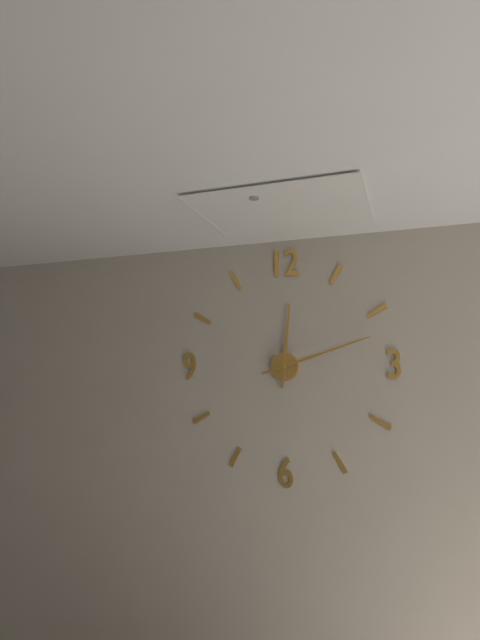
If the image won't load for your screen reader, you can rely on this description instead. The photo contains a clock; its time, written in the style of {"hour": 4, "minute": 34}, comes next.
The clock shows {"hour": 12, "minute": 12}
